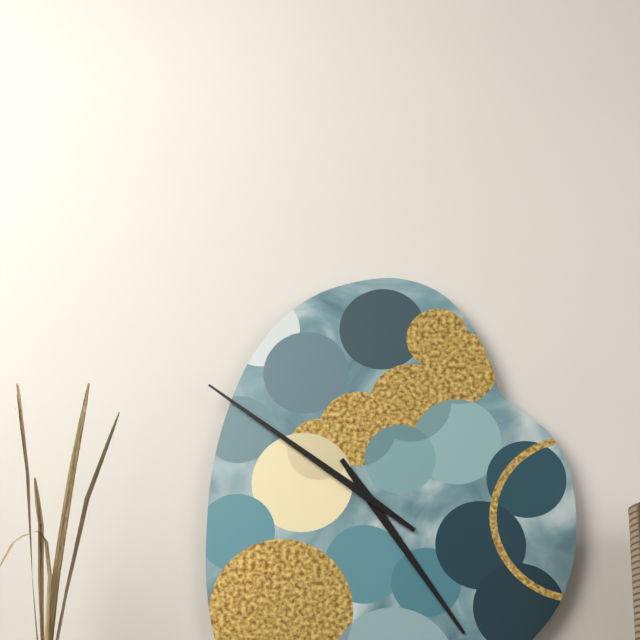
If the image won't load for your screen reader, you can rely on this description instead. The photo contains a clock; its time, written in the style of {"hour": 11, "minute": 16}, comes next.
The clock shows {"hour": 4, "minute": 51}
